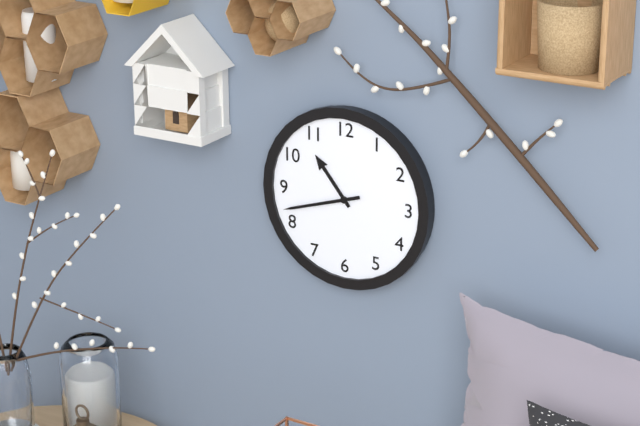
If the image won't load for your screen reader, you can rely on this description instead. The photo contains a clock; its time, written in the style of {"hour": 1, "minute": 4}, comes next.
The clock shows {"hour": 10, "minute": 42}
